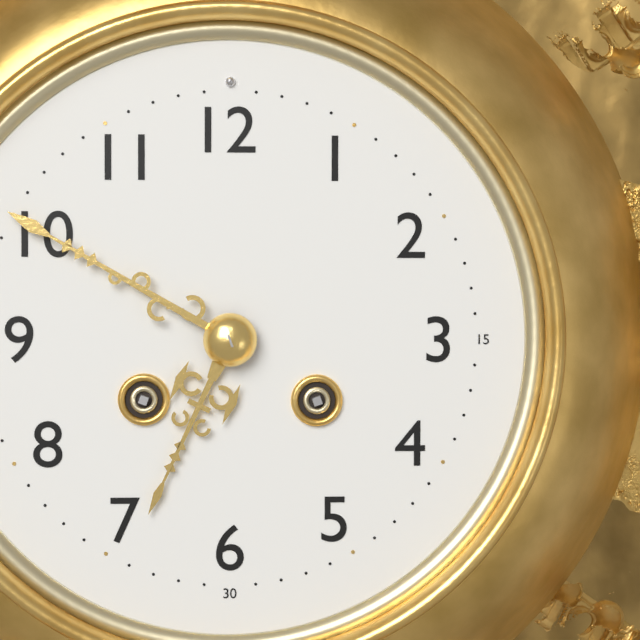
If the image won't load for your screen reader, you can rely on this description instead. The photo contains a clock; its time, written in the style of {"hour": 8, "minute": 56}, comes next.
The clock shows {"hour": 6, "minute": 50}
